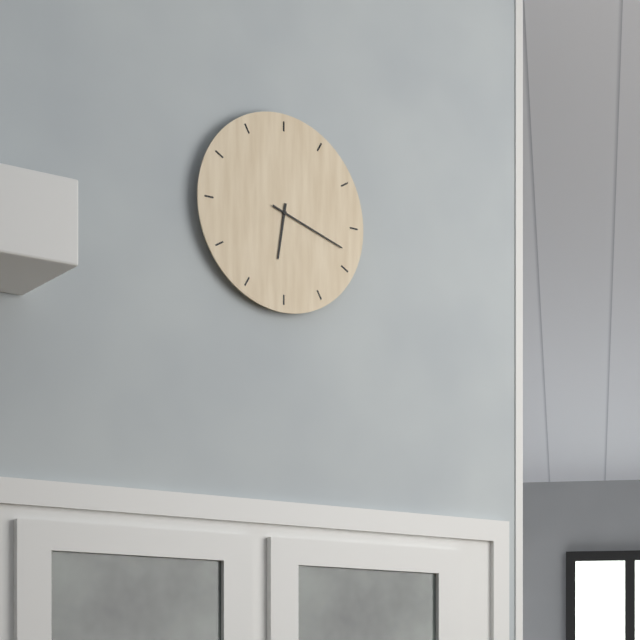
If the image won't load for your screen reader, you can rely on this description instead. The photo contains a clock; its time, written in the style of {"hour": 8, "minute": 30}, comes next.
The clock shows {"hour": 6, "minute": 18}
